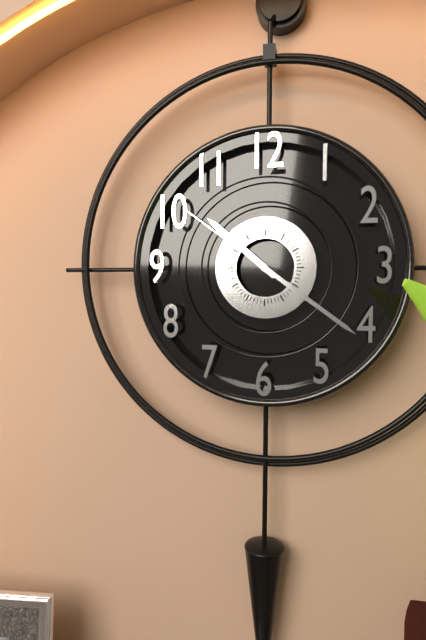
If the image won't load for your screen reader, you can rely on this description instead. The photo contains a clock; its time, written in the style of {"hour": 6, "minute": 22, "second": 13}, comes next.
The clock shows {"hour": 10, "minute": 21, "second": 51}
